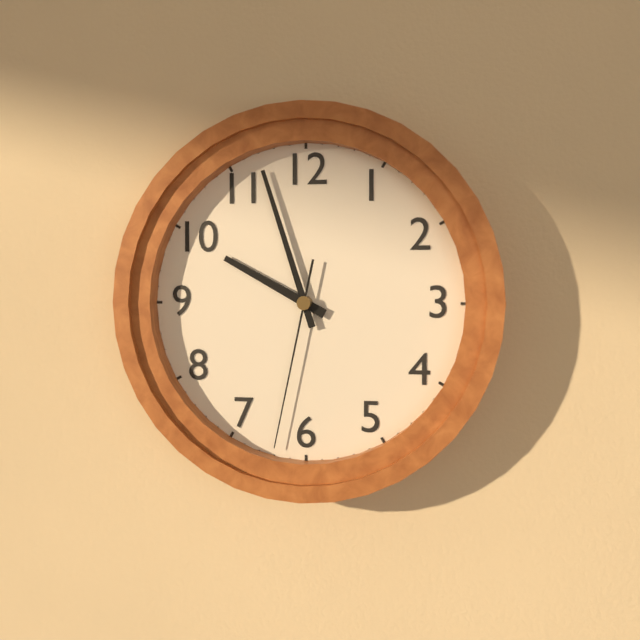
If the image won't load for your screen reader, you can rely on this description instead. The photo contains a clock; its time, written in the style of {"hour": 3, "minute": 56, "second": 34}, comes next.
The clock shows {"hour": 9, "minute": 57, "second": 32}
